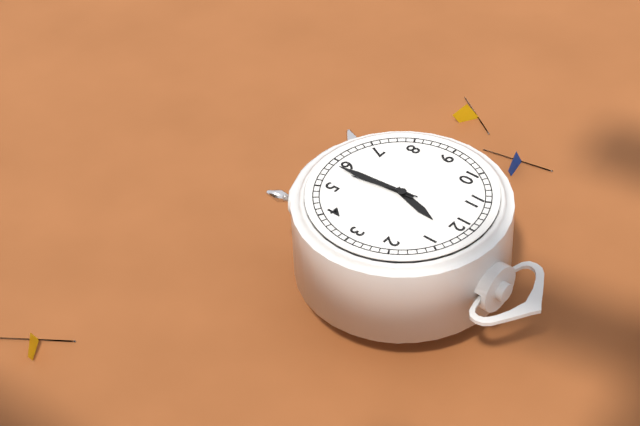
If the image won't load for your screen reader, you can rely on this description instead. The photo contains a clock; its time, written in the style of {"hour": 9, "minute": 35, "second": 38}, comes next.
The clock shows {"hour": 12, "minute": 29, "second": 28}
